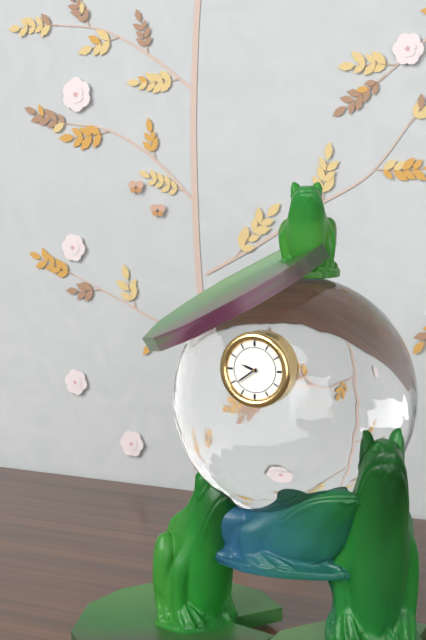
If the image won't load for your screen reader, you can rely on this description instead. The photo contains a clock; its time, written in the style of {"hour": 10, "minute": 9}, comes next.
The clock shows {"hour": 9, "minute": 39}
